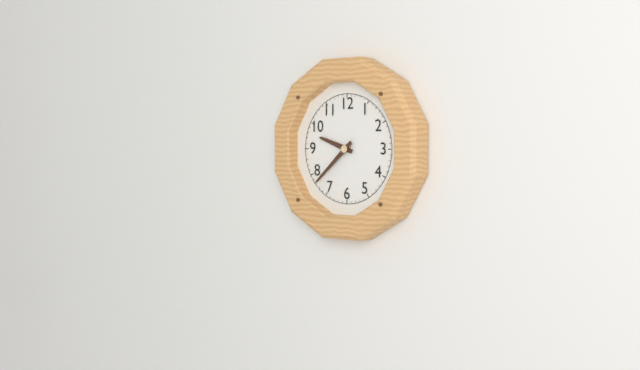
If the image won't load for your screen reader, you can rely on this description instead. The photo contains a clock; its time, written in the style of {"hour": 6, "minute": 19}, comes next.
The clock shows {"hour": 9, "minute": 38}
